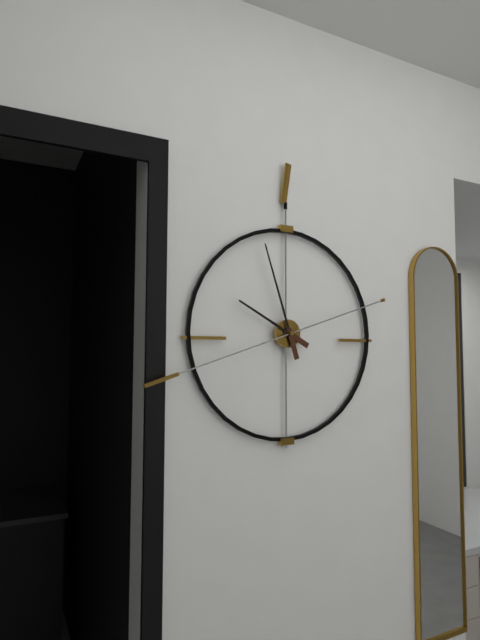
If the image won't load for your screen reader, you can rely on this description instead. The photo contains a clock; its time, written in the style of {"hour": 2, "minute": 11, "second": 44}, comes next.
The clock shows {"hour": 9, "minute": 57, "second": 42}
